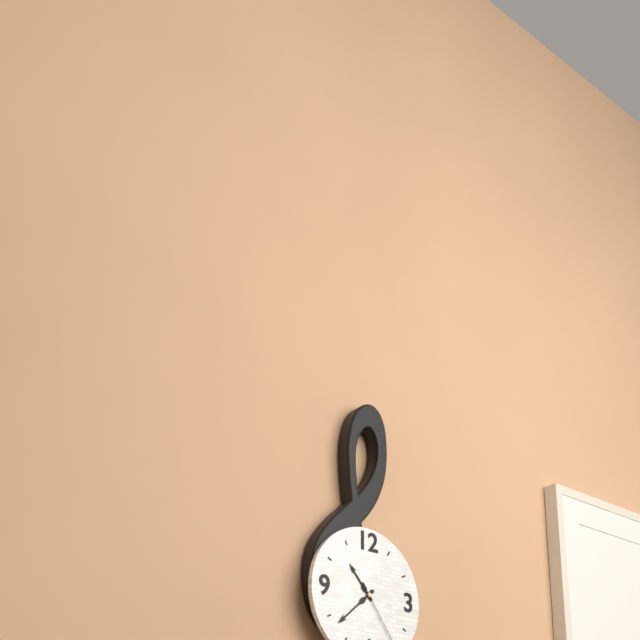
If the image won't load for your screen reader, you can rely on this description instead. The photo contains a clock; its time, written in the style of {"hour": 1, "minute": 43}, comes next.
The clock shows {"hour": 10, "minute": 38}
